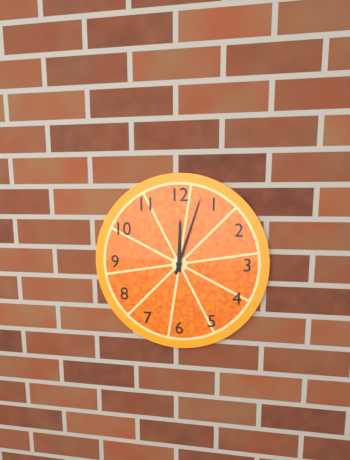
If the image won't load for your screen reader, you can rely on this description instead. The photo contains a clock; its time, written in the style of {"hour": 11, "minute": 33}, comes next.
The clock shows {"hour": 12, "minute": 3}
